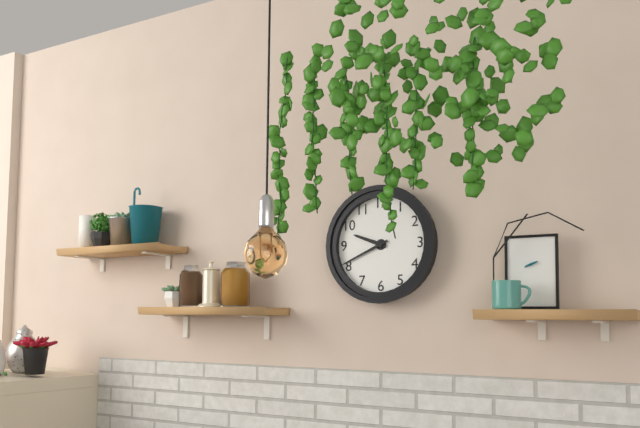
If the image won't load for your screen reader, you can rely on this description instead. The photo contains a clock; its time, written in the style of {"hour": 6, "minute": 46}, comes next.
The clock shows {"hour": 9, "minute": 41}
